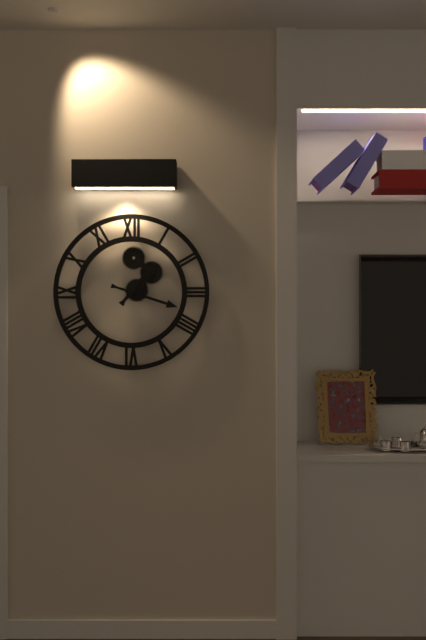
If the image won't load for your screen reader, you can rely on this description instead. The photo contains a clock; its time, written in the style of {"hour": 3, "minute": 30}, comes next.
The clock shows {"hour": 1, "minute": 18}
